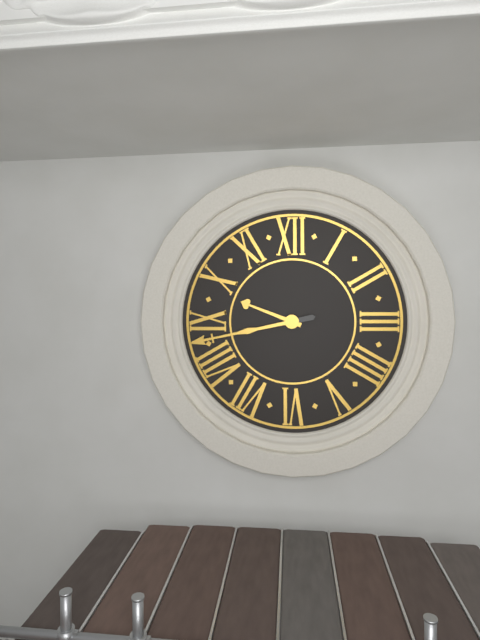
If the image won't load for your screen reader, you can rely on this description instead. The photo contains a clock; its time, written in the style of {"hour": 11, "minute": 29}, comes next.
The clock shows {"hour": 9, "minute": 43}
